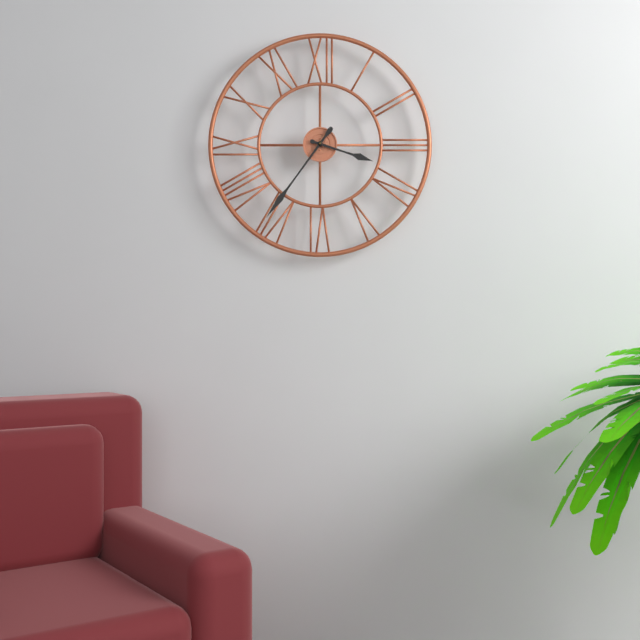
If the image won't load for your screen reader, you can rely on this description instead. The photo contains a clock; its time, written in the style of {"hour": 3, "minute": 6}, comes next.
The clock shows {"hour": 3, "minute": 36}
